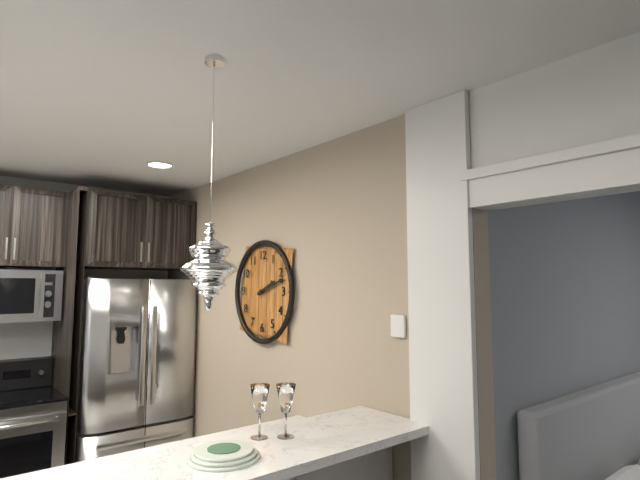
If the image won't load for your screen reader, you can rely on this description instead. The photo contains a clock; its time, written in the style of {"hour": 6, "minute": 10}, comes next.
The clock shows {"hour": 2, "minute": 12}
